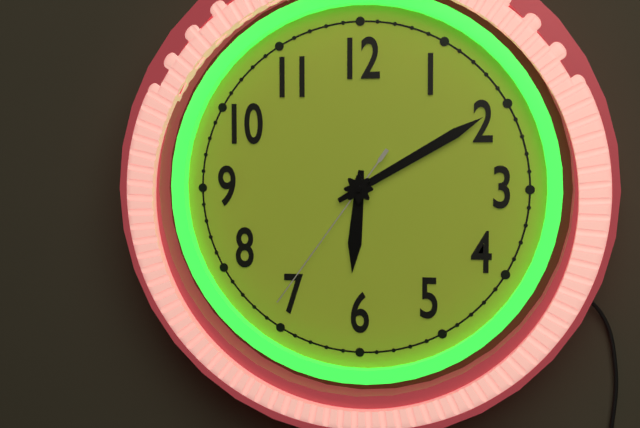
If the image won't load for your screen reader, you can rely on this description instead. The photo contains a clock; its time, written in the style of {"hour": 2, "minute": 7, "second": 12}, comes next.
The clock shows {"hour": 6, "minute": 10, "second": 36}
